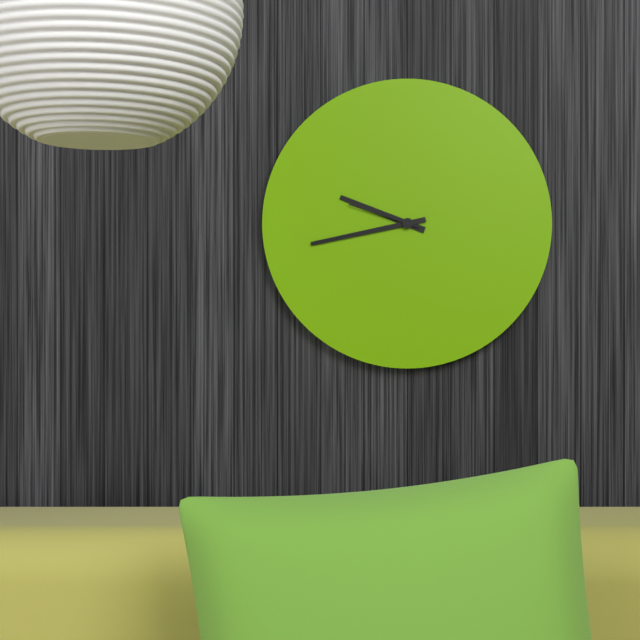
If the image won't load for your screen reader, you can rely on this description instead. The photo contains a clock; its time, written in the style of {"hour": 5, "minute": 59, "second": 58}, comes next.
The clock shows {"hour": 9, "minute": 43, "second": 48}
